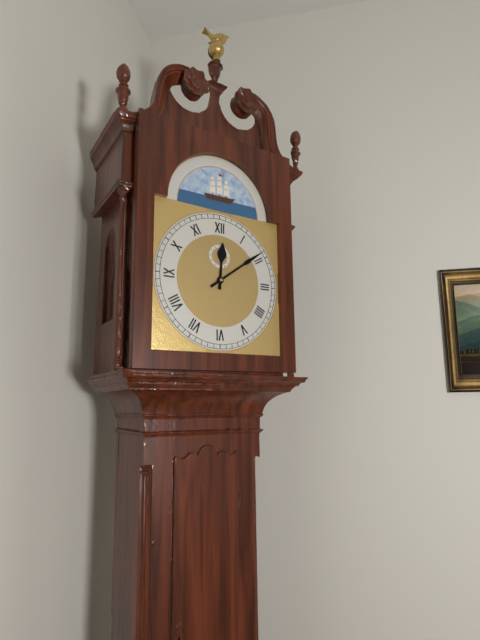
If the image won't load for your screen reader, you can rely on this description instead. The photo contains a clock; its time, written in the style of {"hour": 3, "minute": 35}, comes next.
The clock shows {"hour": 12, "minute": 9}
